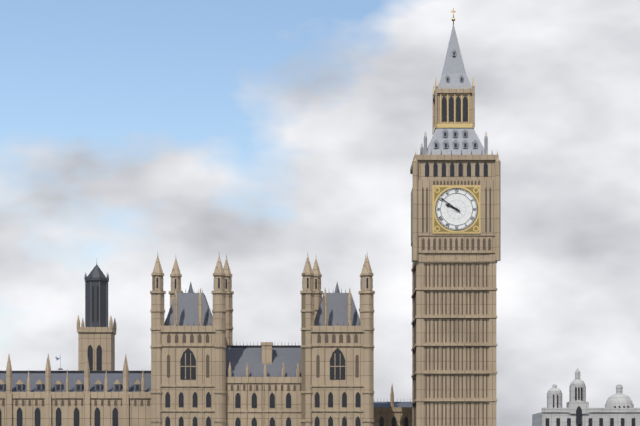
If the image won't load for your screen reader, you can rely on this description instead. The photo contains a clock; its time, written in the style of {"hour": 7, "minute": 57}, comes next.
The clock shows {"hour": 9, "minute": 51}
